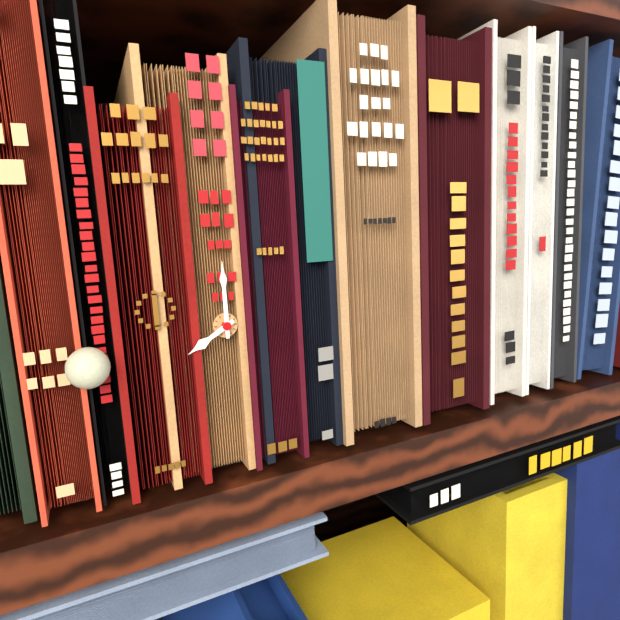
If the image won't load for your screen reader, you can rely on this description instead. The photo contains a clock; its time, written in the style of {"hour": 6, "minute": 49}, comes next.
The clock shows {"hour": 8, "minute": 0}
